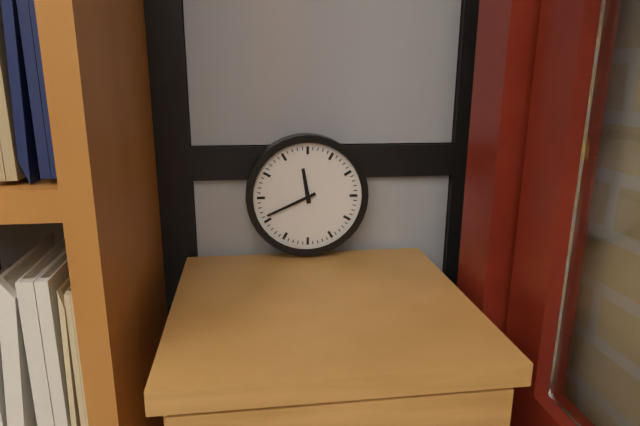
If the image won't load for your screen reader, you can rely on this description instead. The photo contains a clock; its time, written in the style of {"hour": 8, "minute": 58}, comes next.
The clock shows {"hour": 11, "minute": 41}
